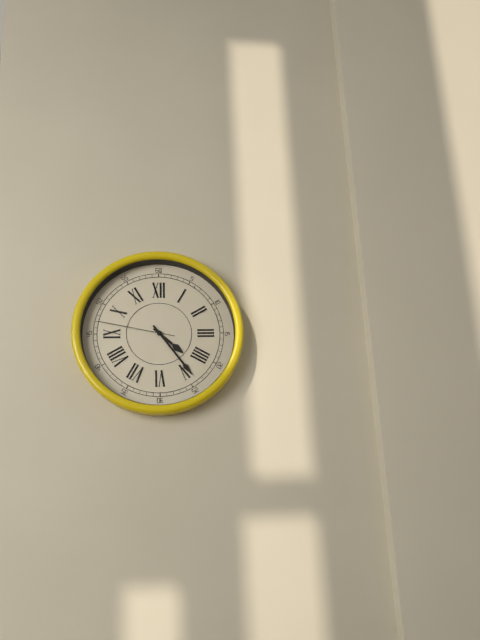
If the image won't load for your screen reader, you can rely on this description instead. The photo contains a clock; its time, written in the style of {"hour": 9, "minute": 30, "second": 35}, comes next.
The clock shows {"hour": 4, "minute": 24, "second": 47}
